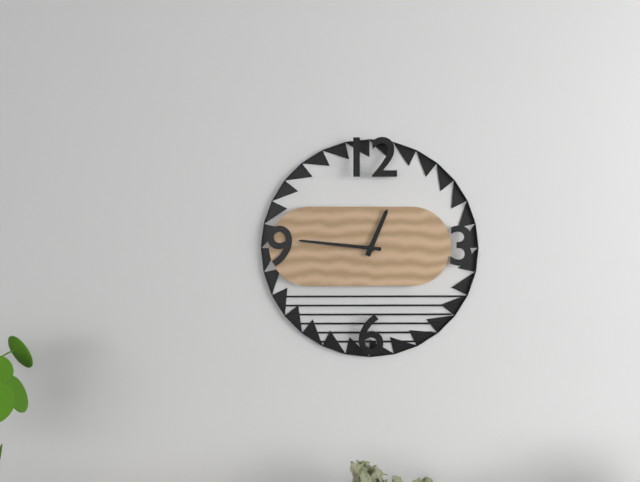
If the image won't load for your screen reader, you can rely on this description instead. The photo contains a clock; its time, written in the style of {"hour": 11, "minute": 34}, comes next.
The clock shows {"hour": 12, "minute": 46}
